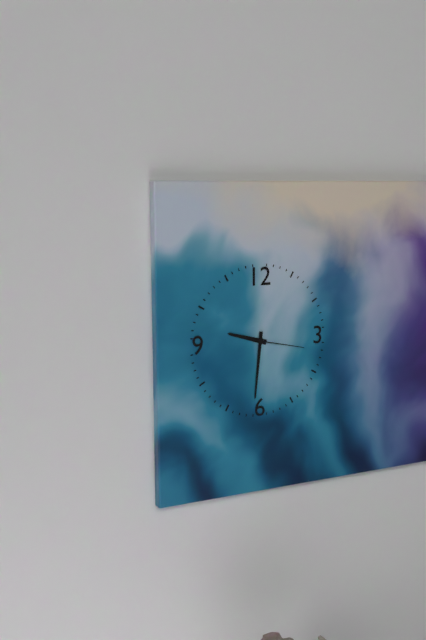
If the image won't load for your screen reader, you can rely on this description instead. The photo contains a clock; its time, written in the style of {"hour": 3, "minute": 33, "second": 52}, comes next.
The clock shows {"hour": 9, "minute": 31, "second": 17}
